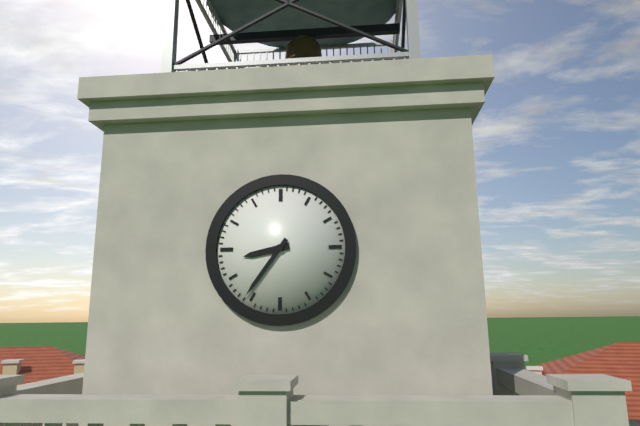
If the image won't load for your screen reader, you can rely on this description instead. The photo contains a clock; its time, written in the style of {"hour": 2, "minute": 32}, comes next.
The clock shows {"hour": 8, "minute": 36}
